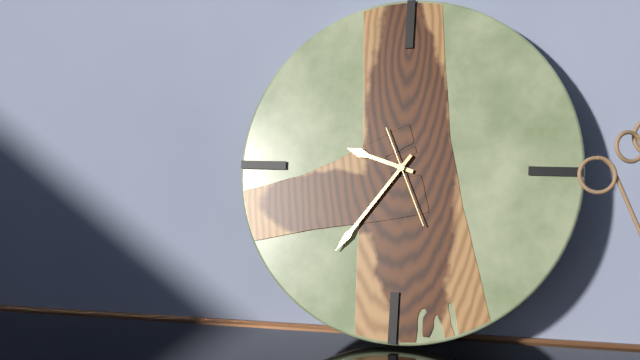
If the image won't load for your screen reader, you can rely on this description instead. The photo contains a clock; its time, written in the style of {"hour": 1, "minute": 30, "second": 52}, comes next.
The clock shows {"hour": 9, "minute": 36, "second": 26}
